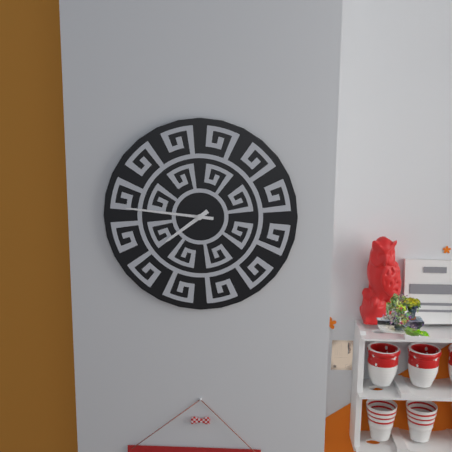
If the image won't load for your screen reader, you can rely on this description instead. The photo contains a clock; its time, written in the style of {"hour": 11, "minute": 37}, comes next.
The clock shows {"hour": 7, "minute": 46}
